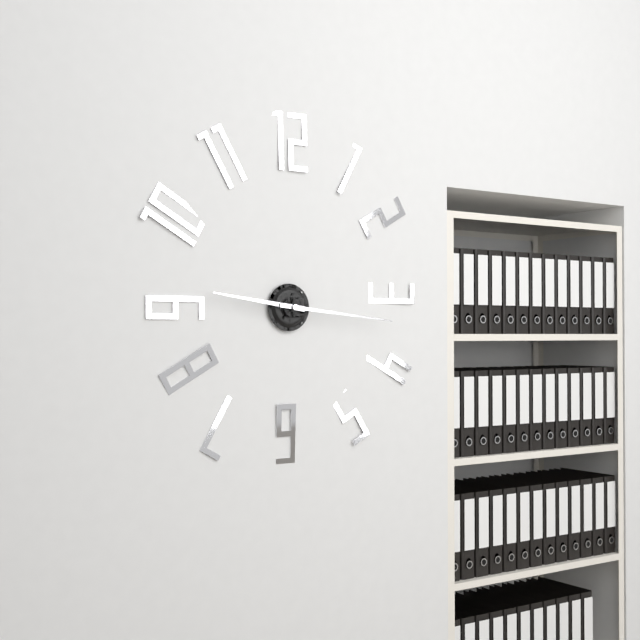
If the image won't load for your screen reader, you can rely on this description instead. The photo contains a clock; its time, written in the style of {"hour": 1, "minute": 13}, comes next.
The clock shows {"hour": 9, "minute": 16}
